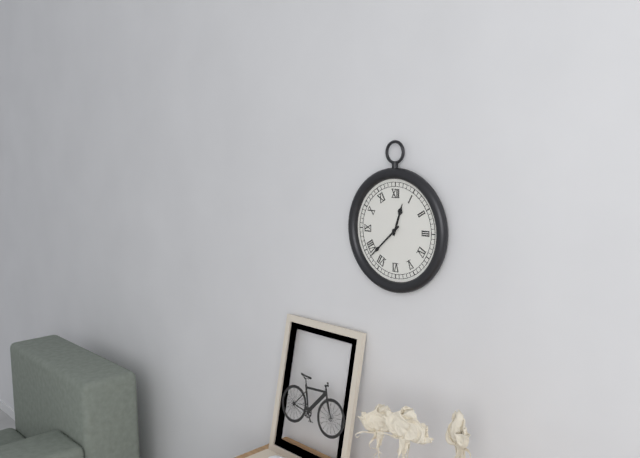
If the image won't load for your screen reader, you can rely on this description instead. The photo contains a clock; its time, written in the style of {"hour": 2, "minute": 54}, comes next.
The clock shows {"hour": 12, "minute": 38}
